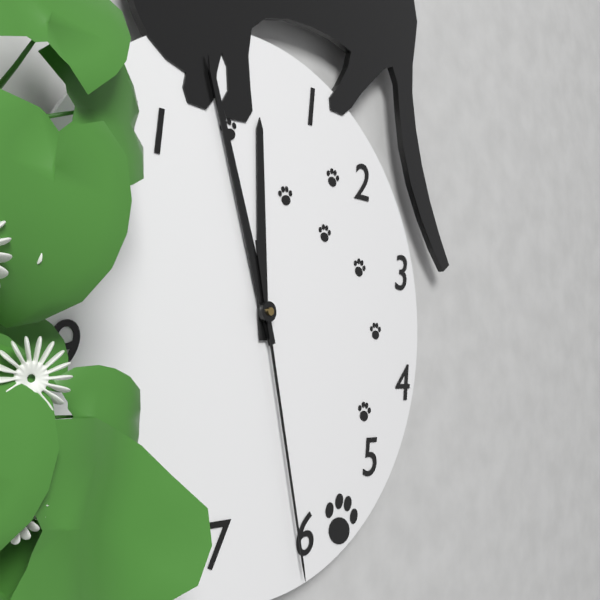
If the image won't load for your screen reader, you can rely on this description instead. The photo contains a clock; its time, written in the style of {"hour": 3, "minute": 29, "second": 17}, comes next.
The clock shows {"hour": 11, "minute": 57, "second": 28}
